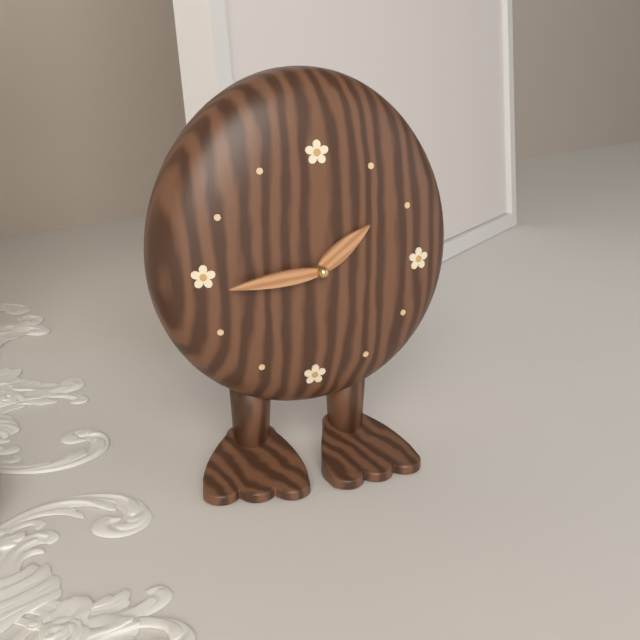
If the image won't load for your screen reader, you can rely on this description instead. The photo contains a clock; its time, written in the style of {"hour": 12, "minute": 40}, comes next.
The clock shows {"hour": 1, "minute": 44}
